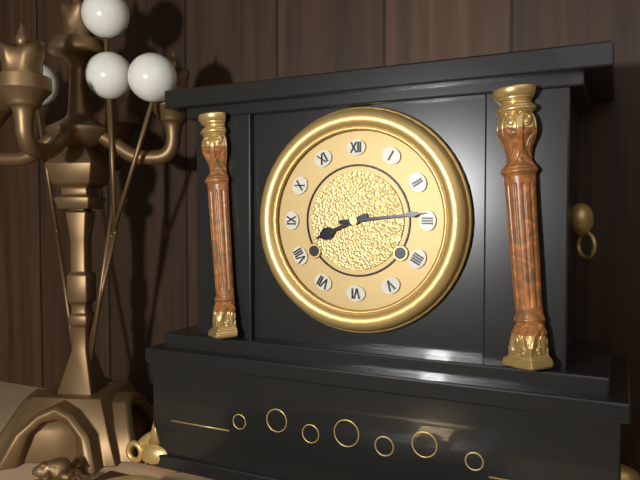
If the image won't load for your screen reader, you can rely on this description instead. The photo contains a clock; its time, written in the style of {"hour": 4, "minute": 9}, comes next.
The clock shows {"hour": 8, "minute": 14}
